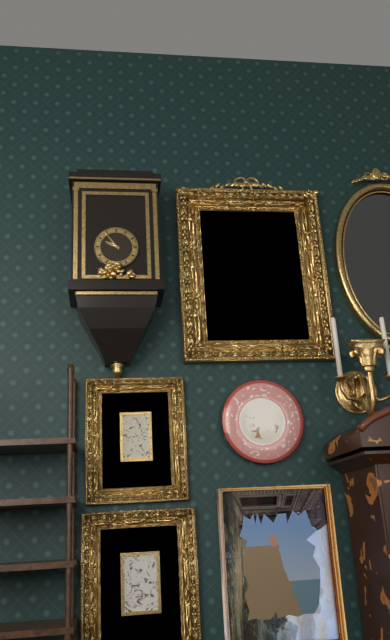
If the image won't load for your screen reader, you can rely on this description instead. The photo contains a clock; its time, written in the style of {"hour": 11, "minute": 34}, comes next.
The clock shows {"hour": 9, "minute": 54}
